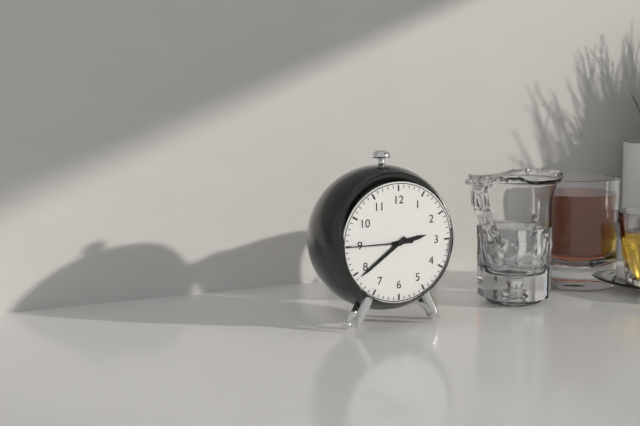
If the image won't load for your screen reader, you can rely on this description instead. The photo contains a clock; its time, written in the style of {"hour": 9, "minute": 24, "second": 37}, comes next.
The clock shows {"hour": 2, "minute": 39, "second": 45}
